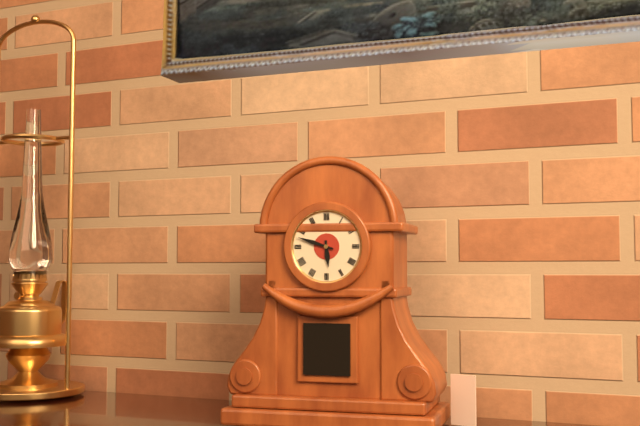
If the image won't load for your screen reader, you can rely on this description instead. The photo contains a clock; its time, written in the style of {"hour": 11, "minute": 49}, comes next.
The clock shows {"hour": 5, "minute": 48}
